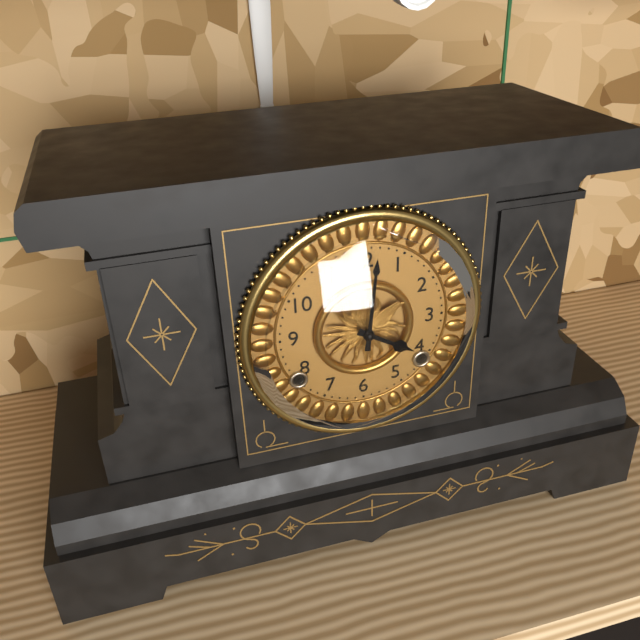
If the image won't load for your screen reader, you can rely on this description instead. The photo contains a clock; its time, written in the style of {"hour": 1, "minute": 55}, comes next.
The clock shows {"hour": 4, "minute": 1}
